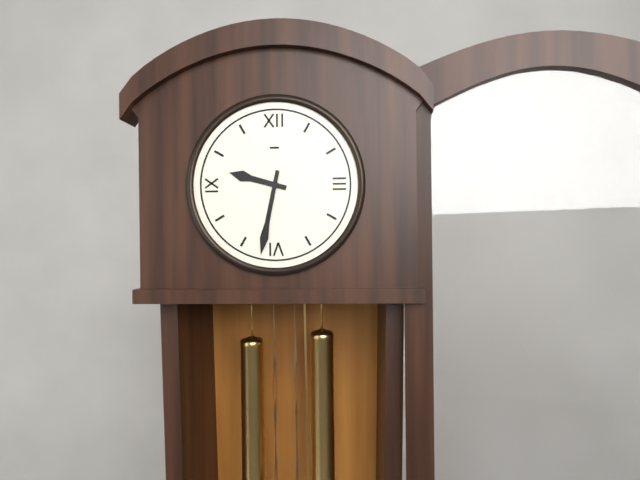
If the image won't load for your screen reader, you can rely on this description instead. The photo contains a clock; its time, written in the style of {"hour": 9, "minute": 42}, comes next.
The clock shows {"hour": 9, "minute": 32}
